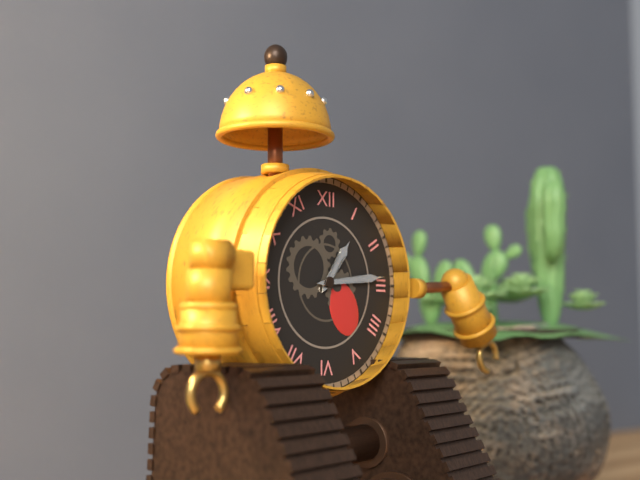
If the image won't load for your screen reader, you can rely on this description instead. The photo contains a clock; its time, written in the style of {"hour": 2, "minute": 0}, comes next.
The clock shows {"hour": 1, "minute": 14}
